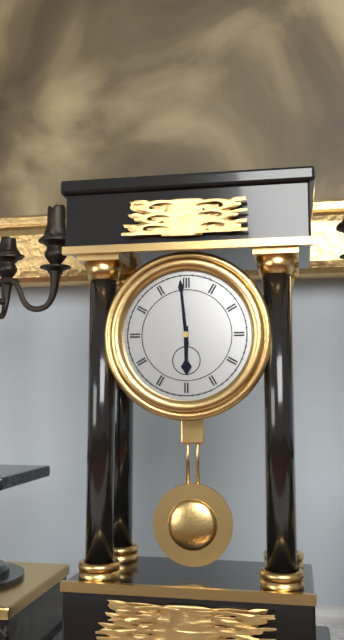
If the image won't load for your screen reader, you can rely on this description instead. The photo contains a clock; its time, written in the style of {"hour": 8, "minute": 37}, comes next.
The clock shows {"hour": 5, "minute": 59}
